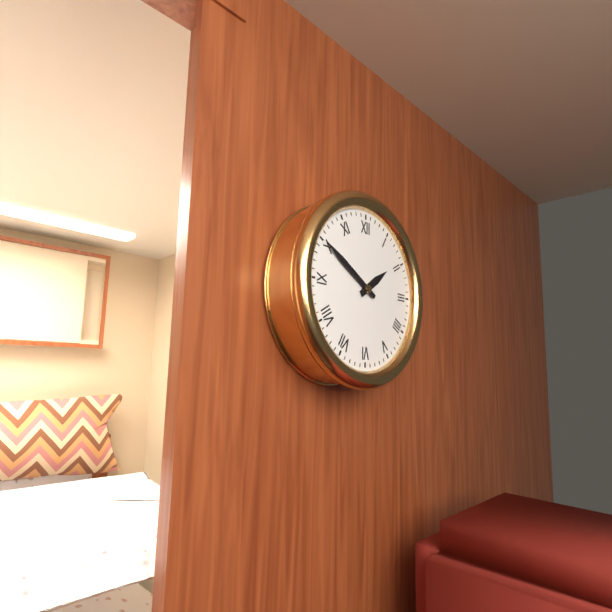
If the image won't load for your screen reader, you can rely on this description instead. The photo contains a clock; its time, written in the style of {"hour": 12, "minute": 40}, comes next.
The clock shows {"hour": 1, "minute": 50}
